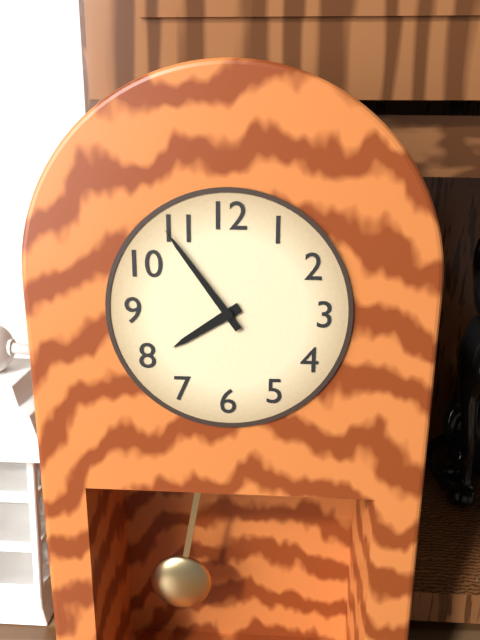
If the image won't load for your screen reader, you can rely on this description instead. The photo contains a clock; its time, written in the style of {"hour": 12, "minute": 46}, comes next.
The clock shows {"hour": 7, "minute": 54}
